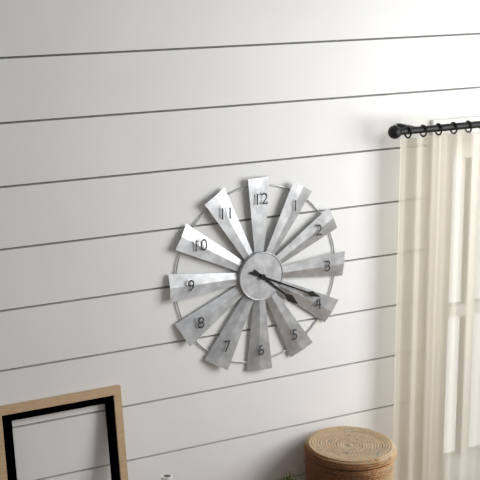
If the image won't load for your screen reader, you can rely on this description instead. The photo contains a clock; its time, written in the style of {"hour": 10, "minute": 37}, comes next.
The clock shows {"hour": 4, "minute": 19}
